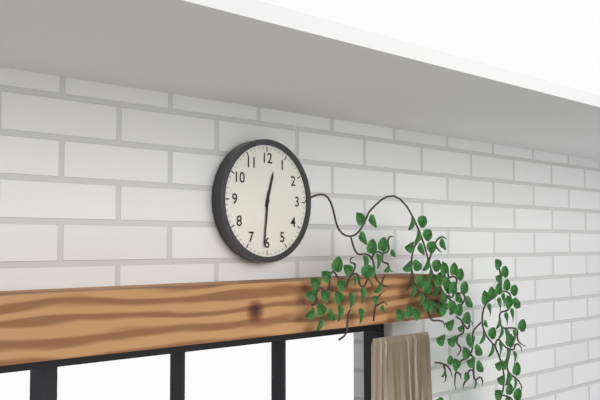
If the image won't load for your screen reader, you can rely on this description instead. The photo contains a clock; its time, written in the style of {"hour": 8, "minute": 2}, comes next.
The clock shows {"hour": 12, "minute": 31}
